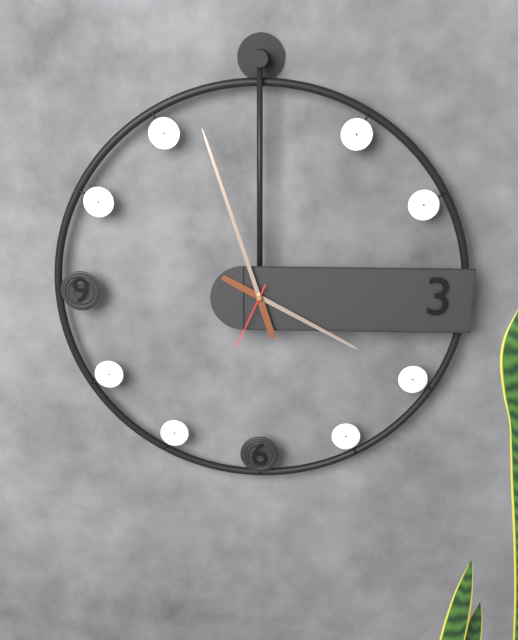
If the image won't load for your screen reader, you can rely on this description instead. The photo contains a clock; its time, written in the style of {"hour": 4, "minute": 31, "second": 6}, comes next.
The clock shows {"hour": 3, "minute": 57, "second": 34}
